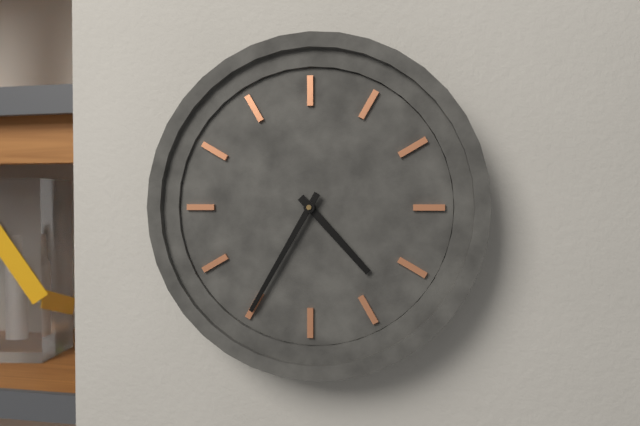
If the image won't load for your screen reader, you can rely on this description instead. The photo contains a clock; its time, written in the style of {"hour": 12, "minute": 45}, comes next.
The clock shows {"hour": 4, "minute": 35}
